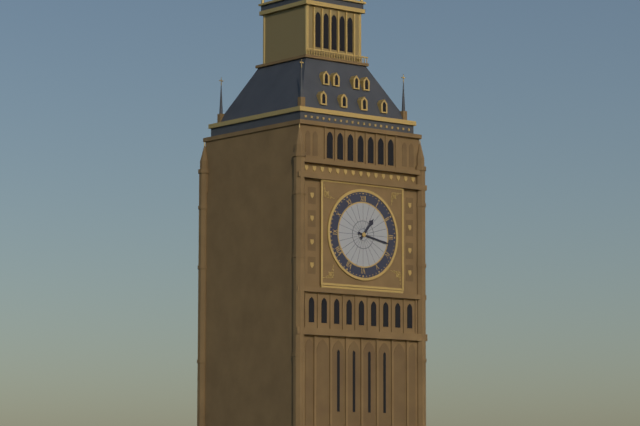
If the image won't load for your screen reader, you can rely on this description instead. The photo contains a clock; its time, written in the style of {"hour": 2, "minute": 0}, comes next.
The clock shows {"hour": 1, "minute": 17}
